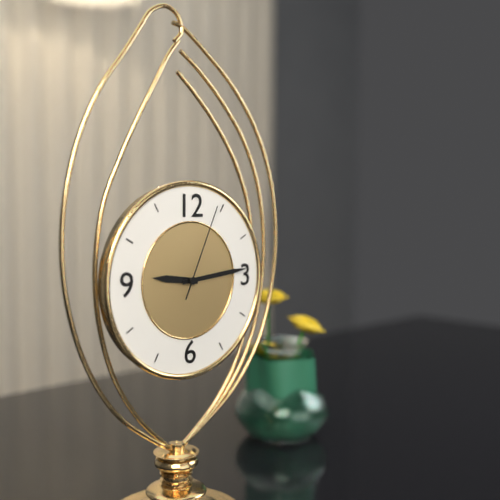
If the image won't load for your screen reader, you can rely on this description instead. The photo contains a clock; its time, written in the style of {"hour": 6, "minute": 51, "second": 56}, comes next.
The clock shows {"hour": 9, "minute": 14, "second": 4}
